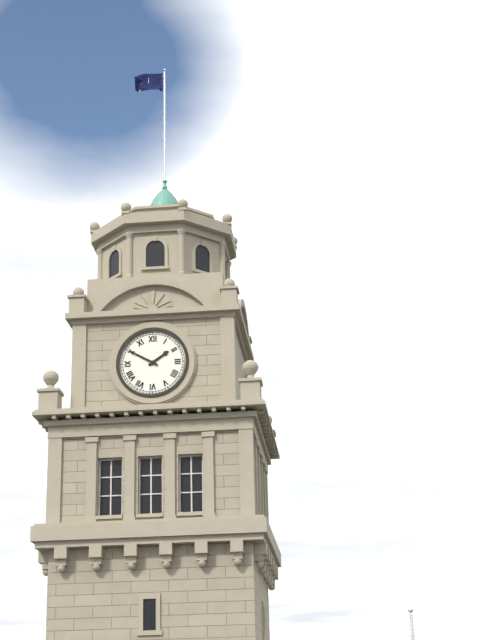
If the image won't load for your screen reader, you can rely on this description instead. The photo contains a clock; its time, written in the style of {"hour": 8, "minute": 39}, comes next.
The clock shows {"hour": 1, "minute": 50}
